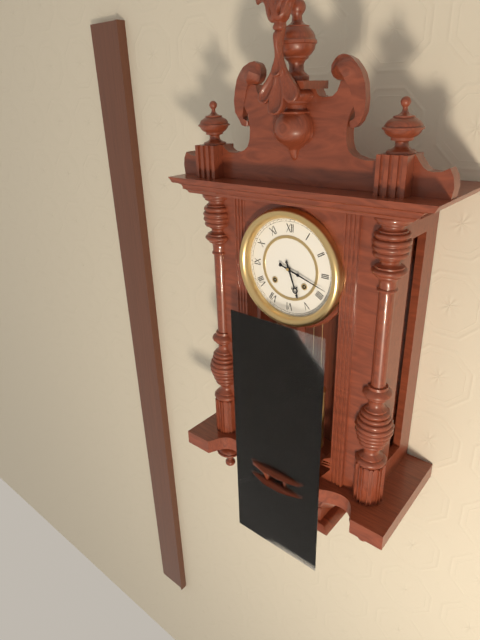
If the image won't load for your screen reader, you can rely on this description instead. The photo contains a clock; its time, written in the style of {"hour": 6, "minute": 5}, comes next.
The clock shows {"hour": 5, "minute": 18}
